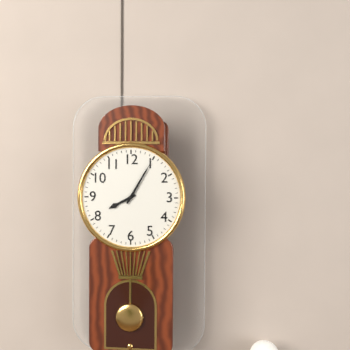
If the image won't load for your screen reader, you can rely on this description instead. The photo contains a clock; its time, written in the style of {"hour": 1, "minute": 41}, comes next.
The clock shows {"hour": 8, "minute": 5}
